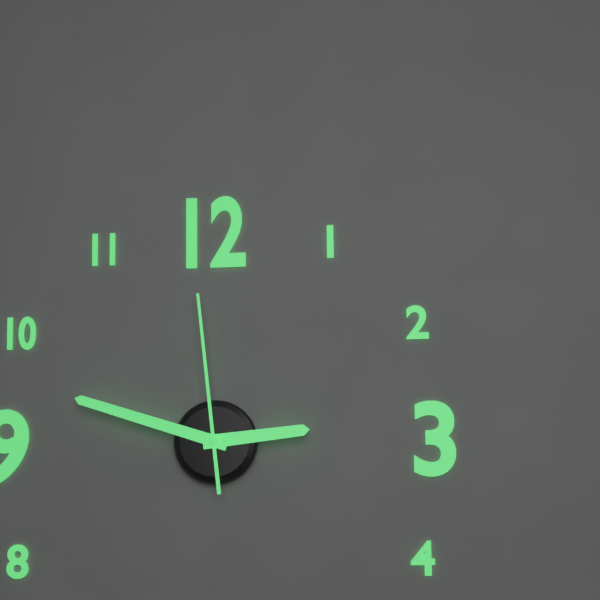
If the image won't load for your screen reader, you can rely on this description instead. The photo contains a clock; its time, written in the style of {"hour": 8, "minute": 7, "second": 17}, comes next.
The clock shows {"hour": 2, "minute": 48, "second": 59}
